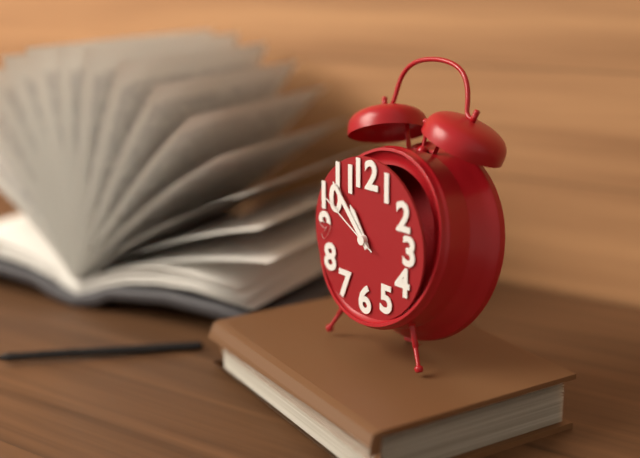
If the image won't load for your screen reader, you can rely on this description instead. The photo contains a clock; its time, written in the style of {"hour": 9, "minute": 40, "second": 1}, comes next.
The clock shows {"hour": 10, "minute": 53, "second": 50}
